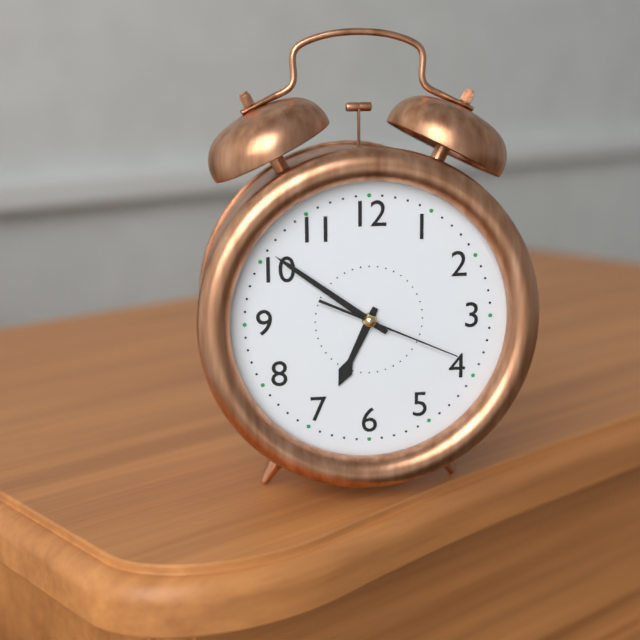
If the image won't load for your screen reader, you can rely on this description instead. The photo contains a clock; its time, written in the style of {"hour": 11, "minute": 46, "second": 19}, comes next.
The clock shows {"hour": 6, "minute": 51, "second": 19}
